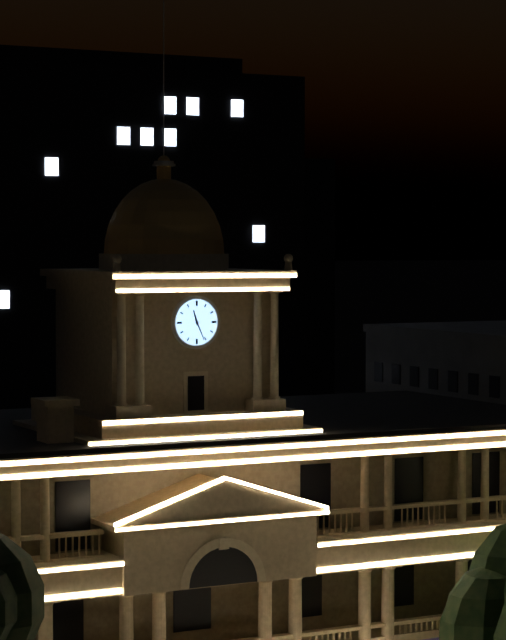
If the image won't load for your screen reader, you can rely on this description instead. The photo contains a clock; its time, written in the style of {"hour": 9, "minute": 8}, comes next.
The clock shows {"hour": 11, "minute": 26}
